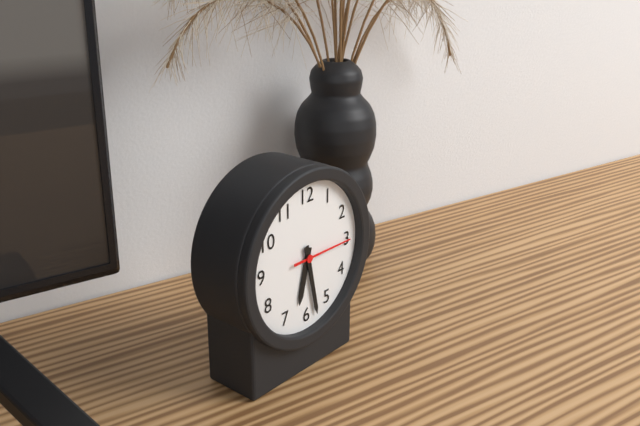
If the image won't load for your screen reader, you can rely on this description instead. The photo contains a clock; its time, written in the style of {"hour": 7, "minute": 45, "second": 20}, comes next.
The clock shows {"hour": 6, "minute": 28, "second": 15}
